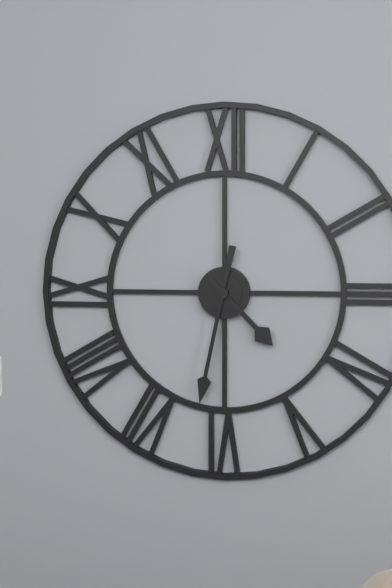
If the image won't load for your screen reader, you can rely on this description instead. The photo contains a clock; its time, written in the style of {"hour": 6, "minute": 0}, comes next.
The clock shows {"hour": 4, "minute": 32}
